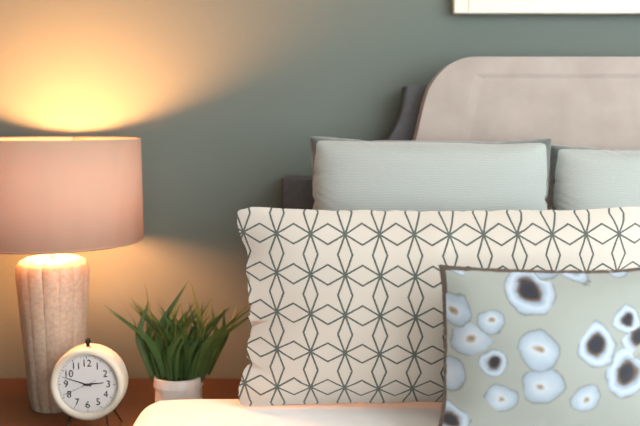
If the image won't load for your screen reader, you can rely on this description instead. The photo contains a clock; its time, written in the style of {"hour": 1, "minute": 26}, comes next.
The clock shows {"hour": 2, "minute": 48}
